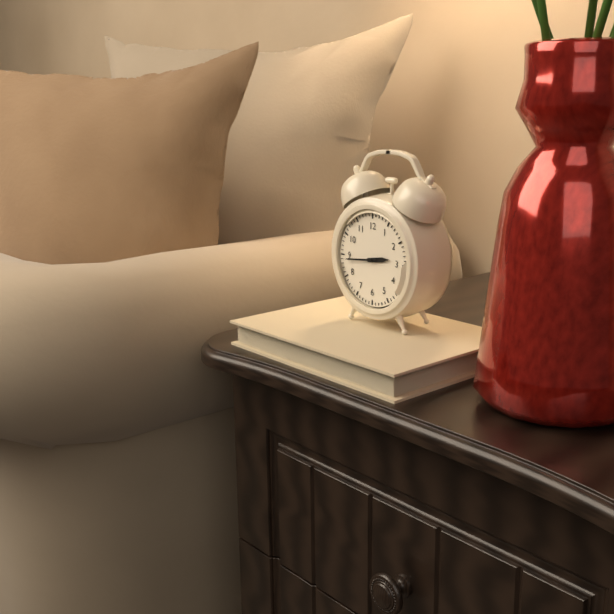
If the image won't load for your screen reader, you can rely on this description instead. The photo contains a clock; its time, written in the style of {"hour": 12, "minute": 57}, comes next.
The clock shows {"hour": 2, "minute": 44}
